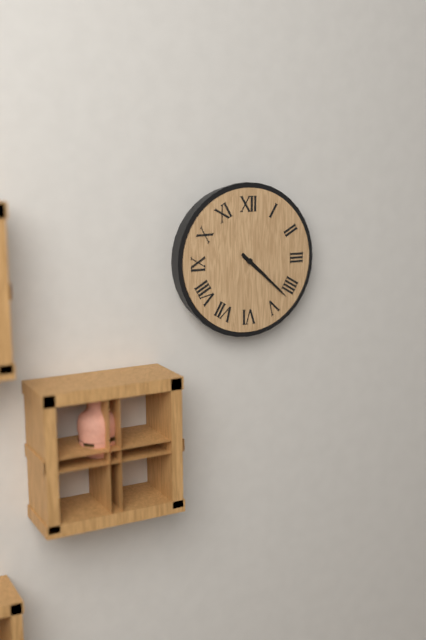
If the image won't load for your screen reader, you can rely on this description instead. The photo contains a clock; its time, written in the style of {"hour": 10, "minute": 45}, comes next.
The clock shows {"hour": 4, "minute": 22}
